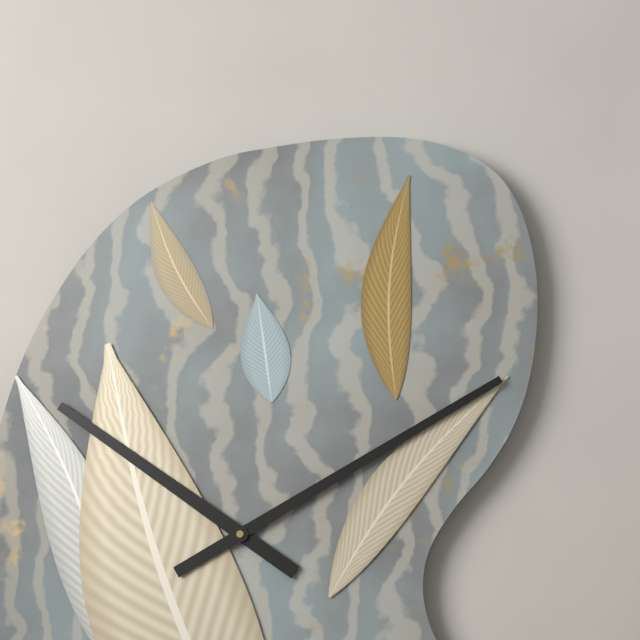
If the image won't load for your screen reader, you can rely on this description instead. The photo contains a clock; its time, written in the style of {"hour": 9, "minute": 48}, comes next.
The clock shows {"hour": 10, "minute": 10}
